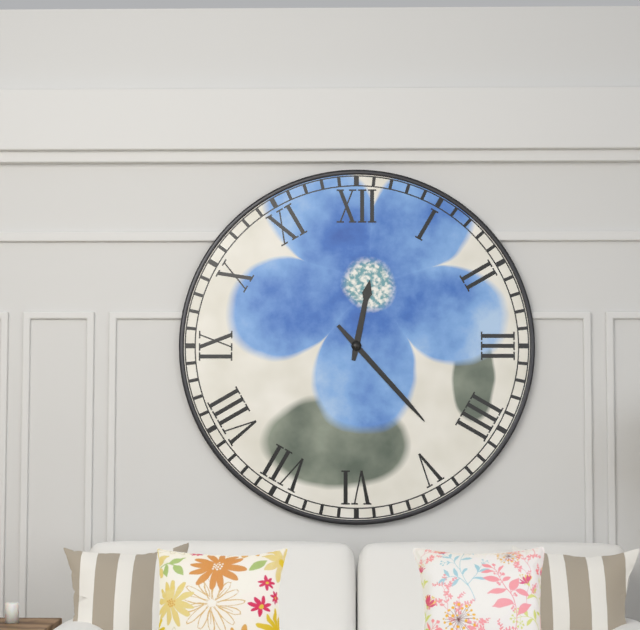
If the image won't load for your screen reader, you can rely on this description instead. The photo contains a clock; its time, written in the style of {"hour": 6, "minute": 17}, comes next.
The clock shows {"hour": 12, "minute": 23}
